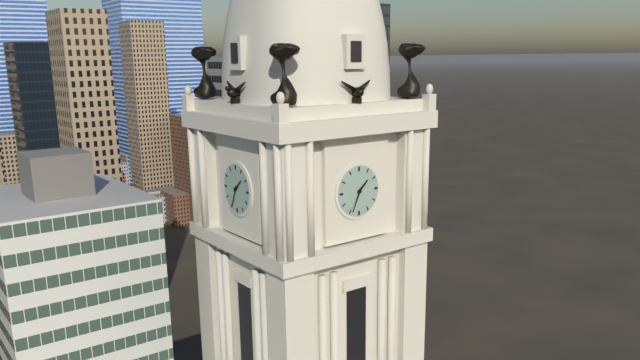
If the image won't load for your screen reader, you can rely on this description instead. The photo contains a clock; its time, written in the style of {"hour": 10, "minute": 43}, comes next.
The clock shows {"hour": 1, "minute": 34}
